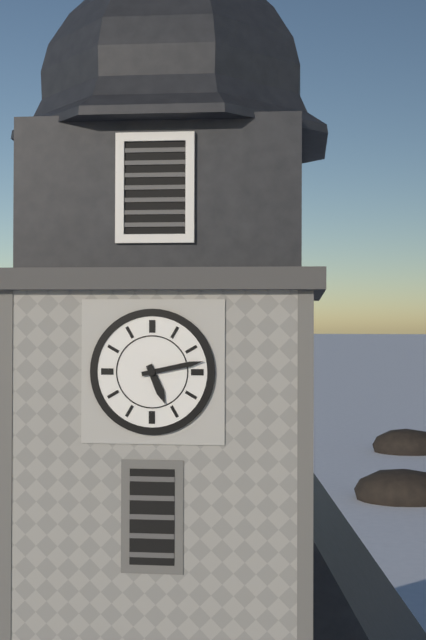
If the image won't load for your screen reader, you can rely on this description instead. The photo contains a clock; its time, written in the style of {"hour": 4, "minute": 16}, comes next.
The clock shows {"hour": 5, "minute": 13}
